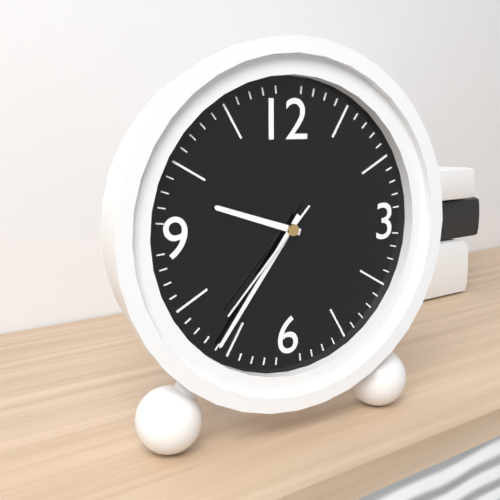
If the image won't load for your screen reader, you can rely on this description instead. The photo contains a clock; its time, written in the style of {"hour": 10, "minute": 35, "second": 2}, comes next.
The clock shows {"hour": 9, "minute": 36, "second": 37}
